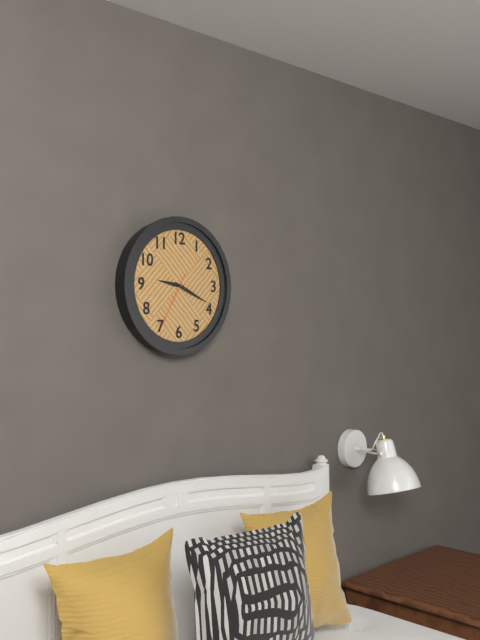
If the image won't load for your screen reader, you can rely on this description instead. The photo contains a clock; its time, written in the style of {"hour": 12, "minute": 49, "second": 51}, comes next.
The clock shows {"hour": 9, "minute": 19, "second": 35}
